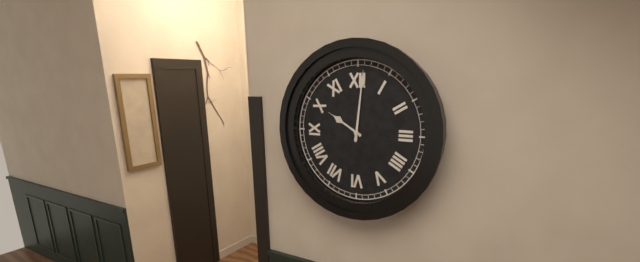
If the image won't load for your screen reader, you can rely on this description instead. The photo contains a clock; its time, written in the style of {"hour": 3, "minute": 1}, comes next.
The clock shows {"hour": 10, "minute": 1}
